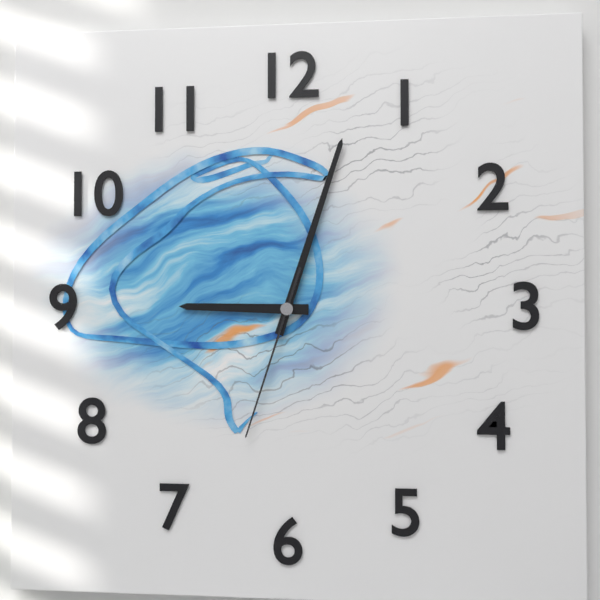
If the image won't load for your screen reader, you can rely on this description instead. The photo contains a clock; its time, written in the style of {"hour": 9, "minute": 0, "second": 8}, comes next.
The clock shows {"hour": 9, "minute": 3, "second": 33}
